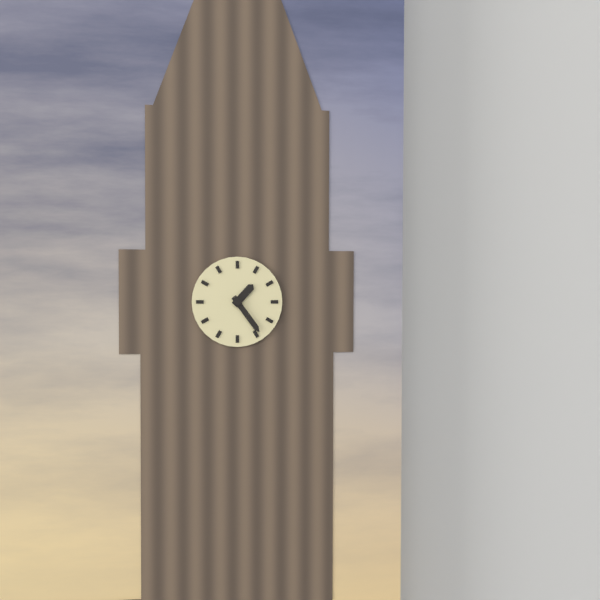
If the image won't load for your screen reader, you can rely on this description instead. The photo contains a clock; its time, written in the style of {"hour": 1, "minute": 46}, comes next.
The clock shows {"hour": 1, "minute": 24}
